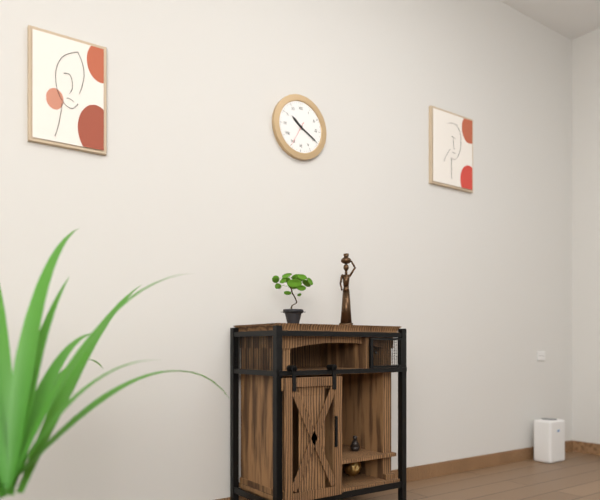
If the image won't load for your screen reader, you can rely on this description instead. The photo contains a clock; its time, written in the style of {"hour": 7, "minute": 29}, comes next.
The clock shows {"hour": 10, "minute": 20}
